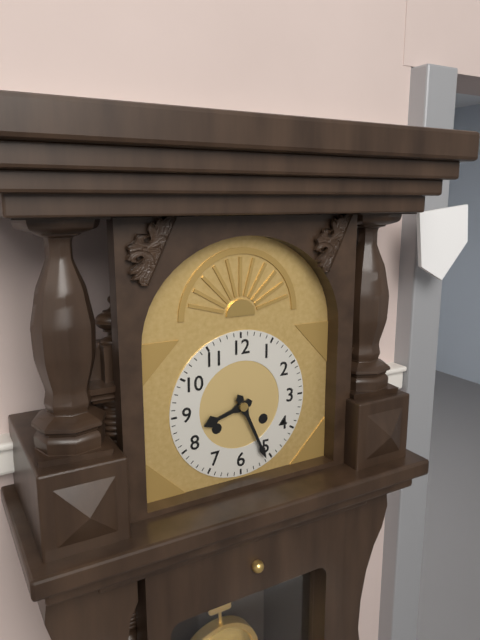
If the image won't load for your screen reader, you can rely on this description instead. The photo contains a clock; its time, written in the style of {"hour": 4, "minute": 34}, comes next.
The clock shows {"hour": 8, "minute": 26}
